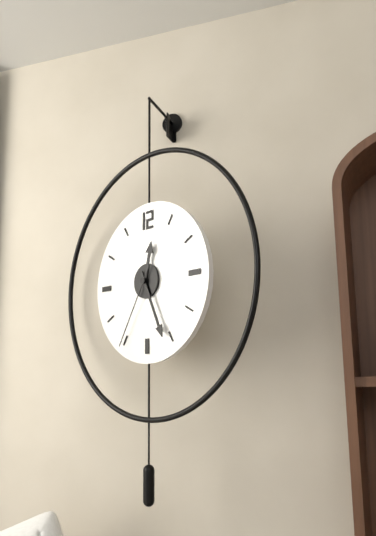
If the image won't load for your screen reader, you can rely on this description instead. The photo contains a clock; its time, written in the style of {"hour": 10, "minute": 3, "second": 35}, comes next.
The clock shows {"hour": 12, "minute": 26, "second": 35}
